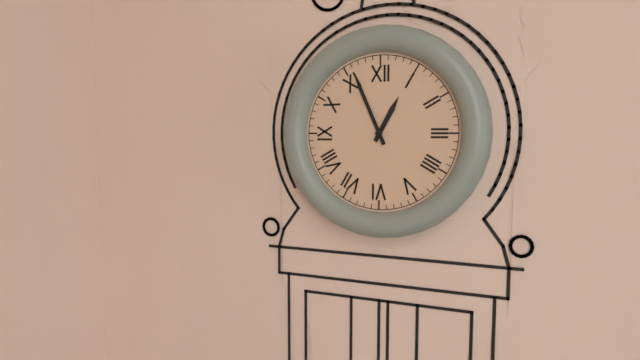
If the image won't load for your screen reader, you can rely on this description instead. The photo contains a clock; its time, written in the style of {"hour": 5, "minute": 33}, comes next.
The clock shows {"hour": 12, "minute": 56}
